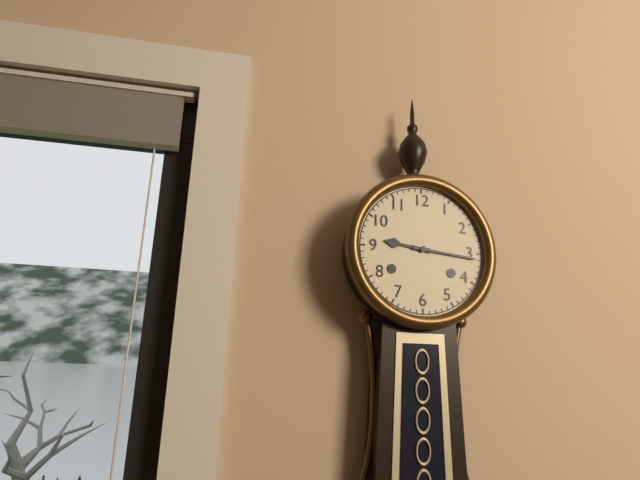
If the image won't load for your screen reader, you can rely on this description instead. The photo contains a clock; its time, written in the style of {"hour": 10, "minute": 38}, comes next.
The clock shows {"hour": 9, "minute": 16}
